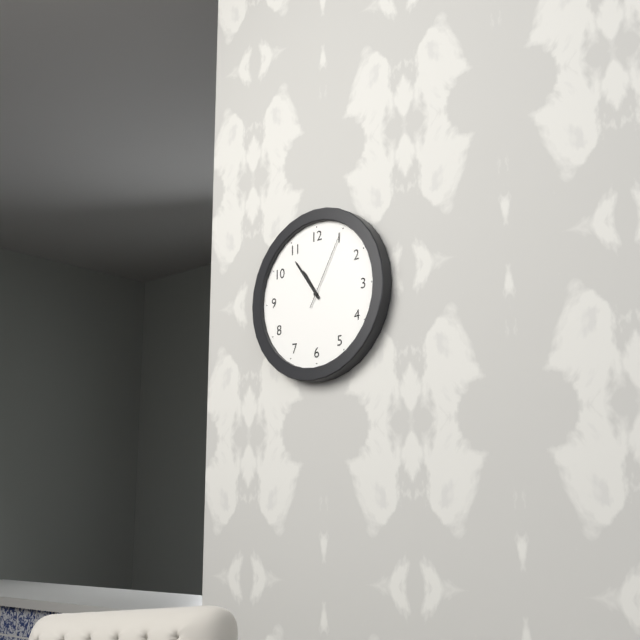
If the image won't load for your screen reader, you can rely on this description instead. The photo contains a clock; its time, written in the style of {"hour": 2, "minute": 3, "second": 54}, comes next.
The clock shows {"hour": 10, "minute": 54, "second": 5}
